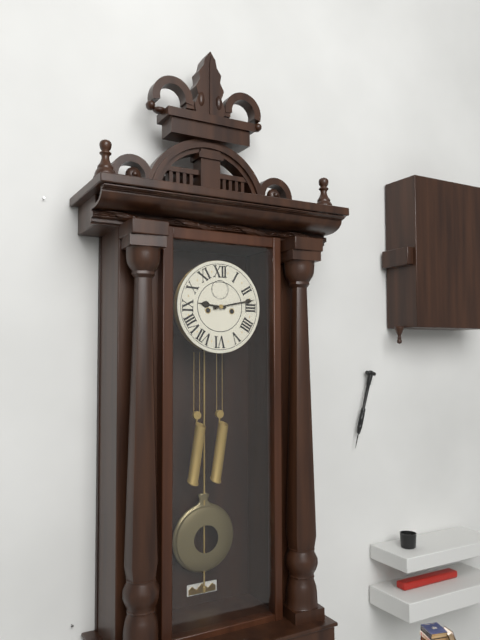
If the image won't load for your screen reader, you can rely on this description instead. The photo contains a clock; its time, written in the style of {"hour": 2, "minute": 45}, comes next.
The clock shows {"hour": 9, "minute": 13}
